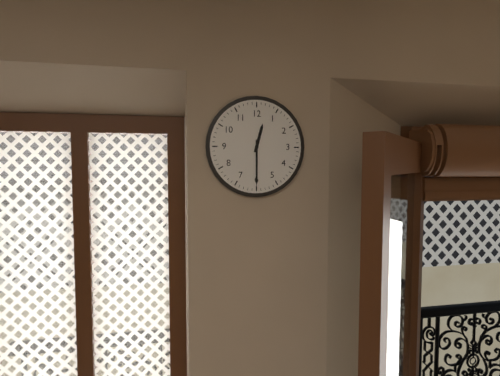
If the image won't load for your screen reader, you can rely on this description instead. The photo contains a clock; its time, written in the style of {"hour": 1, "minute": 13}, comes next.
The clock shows {"hour": 12, "minute": 30}
